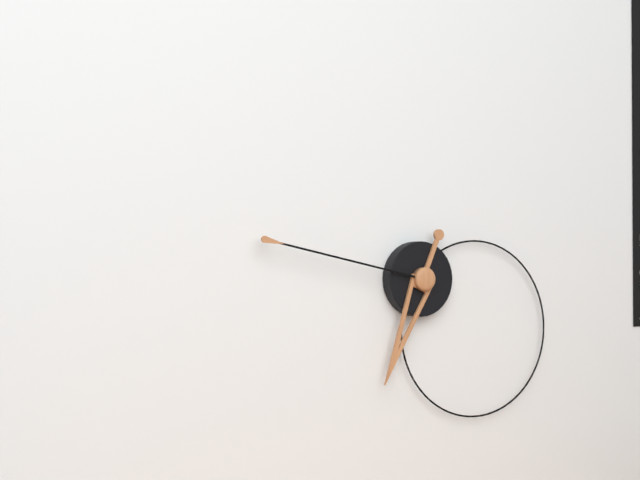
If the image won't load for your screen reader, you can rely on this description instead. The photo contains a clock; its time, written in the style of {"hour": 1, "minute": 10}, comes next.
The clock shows {"hour": 6, "minute": 47}
